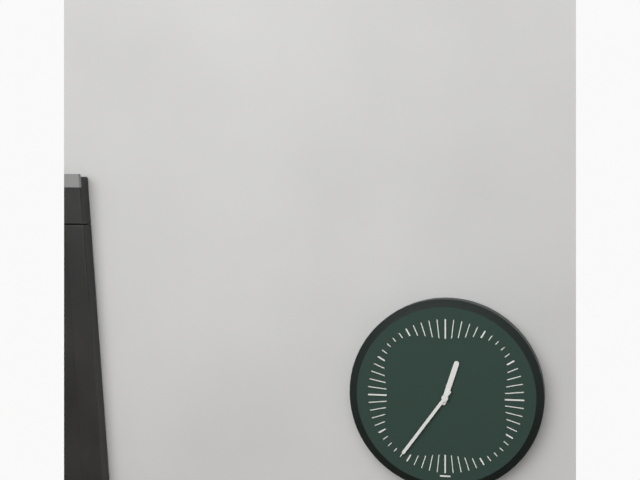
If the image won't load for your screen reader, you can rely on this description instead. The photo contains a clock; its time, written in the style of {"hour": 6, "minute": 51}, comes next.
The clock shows {"hour": 12, "minute": 36}
